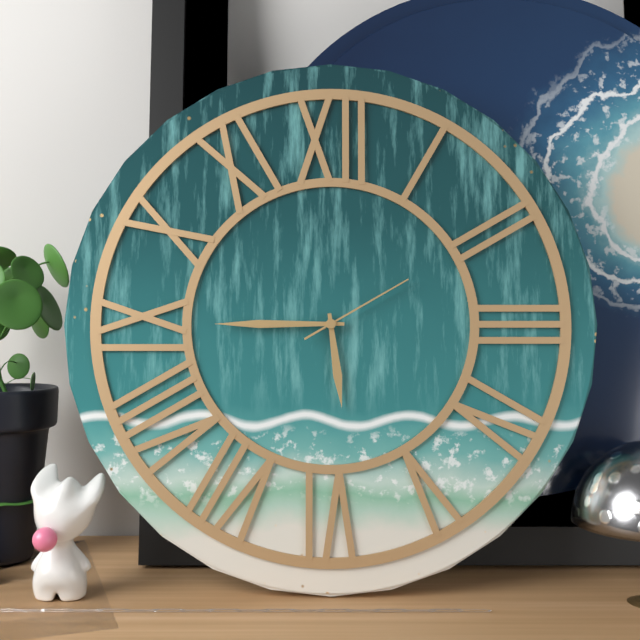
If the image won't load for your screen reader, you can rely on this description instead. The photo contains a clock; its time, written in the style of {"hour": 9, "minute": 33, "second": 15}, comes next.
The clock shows {"hour": 5, "minute": 45, "second": 10}
